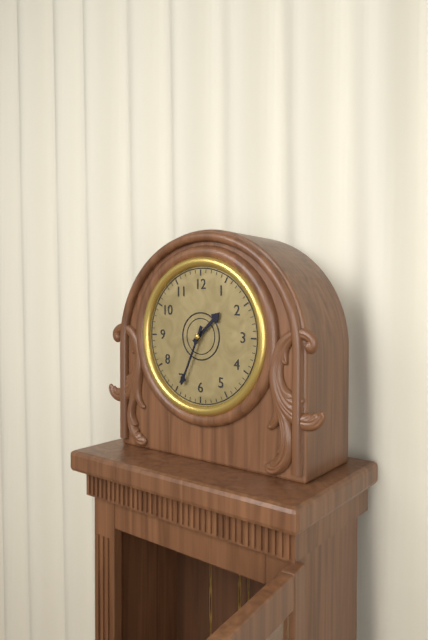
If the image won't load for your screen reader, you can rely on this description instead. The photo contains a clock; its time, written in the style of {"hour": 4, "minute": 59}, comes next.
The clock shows {"hour": 1, "minute": 34}
